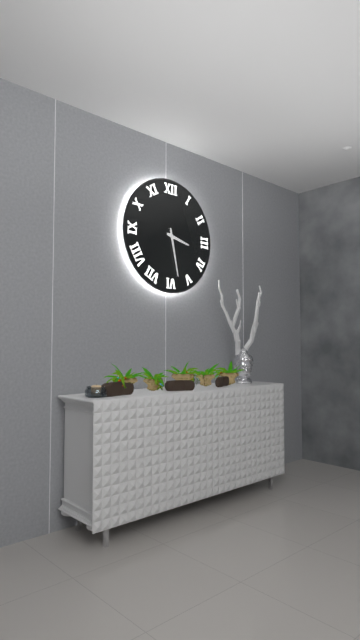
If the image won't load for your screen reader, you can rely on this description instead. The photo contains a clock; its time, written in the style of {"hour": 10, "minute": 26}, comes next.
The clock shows {"hour": 3, "minute": 28}
